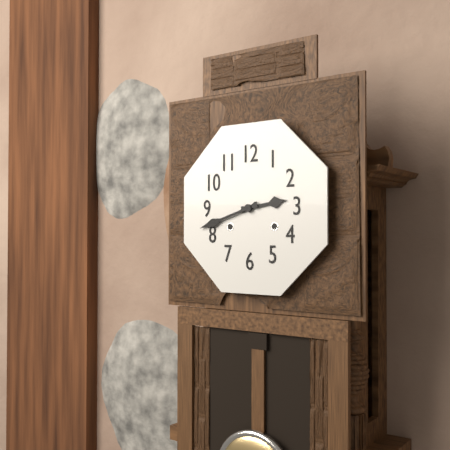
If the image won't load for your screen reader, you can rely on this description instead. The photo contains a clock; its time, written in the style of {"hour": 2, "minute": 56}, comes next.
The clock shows {"hour": 2, "minute": 42}
